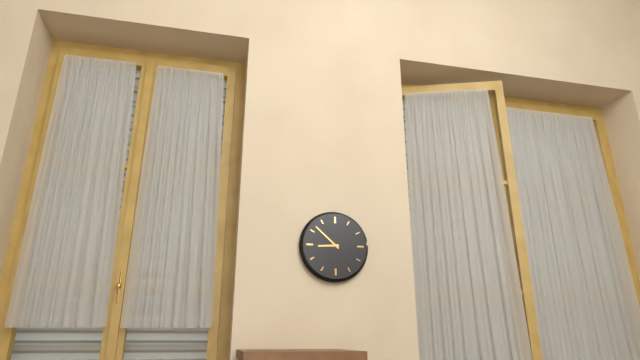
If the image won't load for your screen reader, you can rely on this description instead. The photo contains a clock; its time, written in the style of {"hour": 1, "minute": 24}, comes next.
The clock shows {"hour": 8, "minute": 52}
